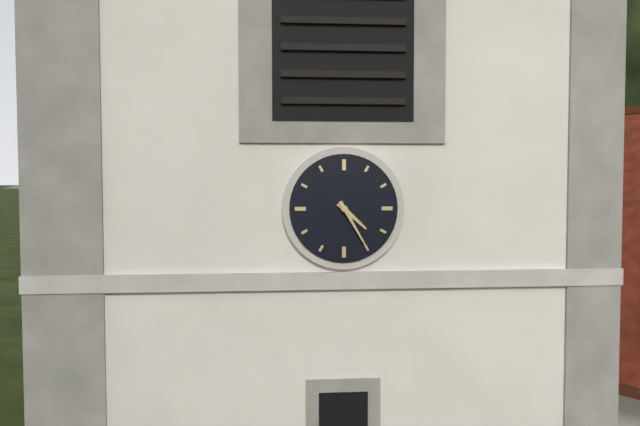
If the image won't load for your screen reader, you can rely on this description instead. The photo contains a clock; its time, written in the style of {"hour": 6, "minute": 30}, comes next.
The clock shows {"hour": 4, "minute": 25}
